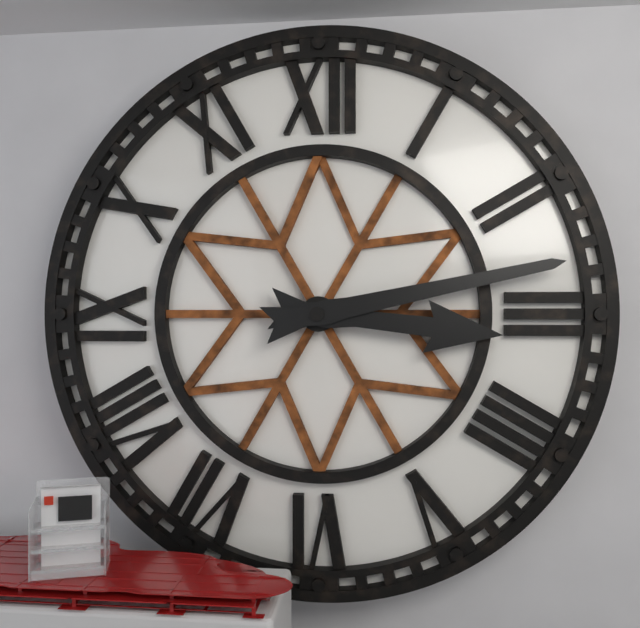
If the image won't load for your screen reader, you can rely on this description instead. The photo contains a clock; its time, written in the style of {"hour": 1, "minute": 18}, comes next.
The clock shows {"hour": 3, "minute": 13}
